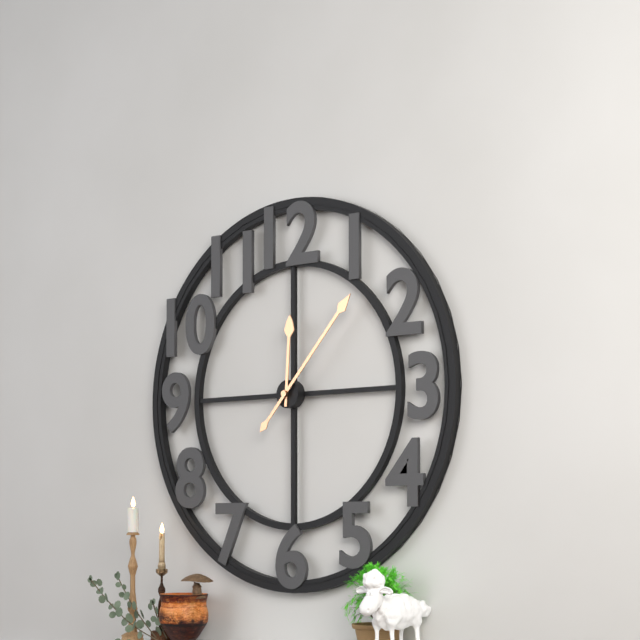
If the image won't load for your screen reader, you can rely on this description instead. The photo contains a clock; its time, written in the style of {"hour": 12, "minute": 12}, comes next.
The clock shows {"hour": 12, "minute": 7}
